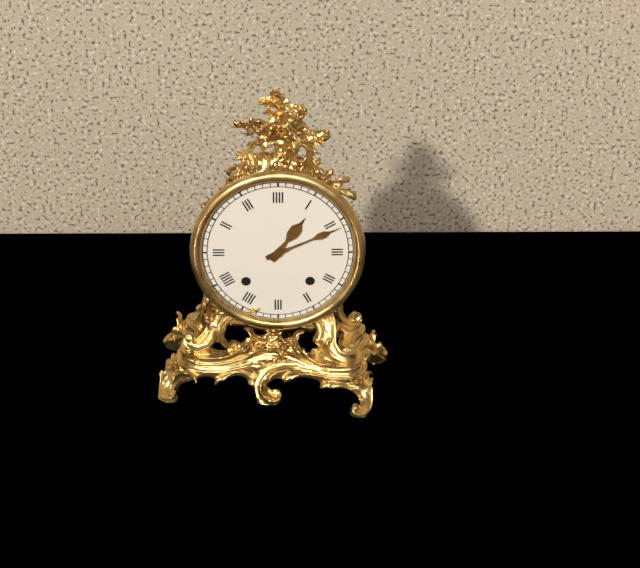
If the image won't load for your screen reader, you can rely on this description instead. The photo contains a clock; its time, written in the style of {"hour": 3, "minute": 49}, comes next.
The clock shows {"hour": 1, "minute": 11}
